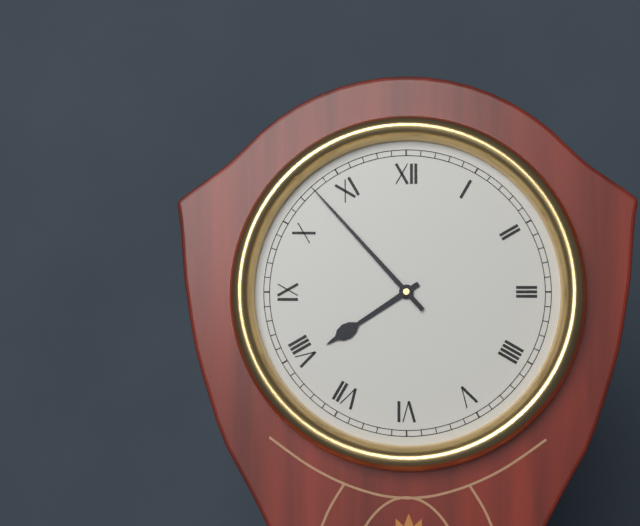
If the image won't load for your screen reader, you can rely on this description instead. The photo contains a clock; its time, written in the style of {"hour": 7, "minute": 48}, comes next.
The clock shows {"hour": 7, "minute": 53}
